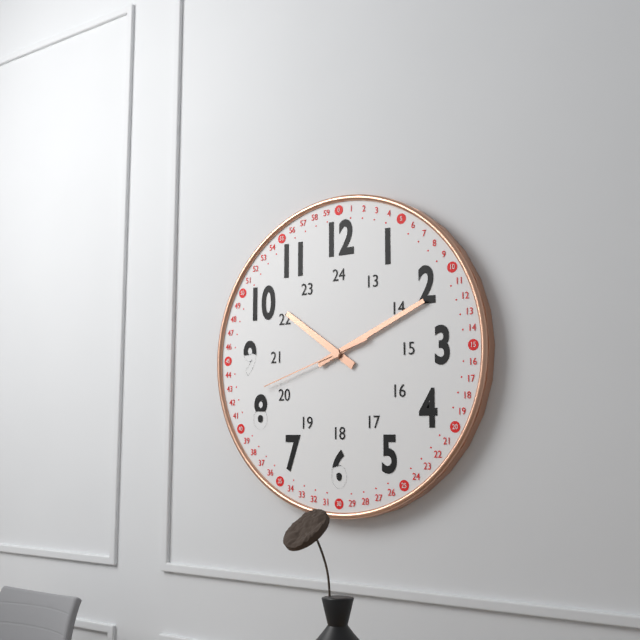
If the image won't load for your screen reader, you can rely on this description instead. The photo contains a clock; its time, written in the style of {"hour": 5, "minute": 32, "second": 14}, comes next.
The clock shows {"hour": 10, "minute": 11, "second": 42}
